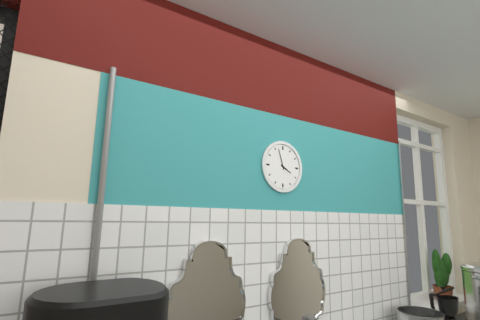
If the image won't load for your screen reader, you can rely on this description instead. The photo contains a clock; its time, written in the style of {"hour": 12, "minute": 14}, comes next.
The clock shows {"hour": 3, "minute": 57}
